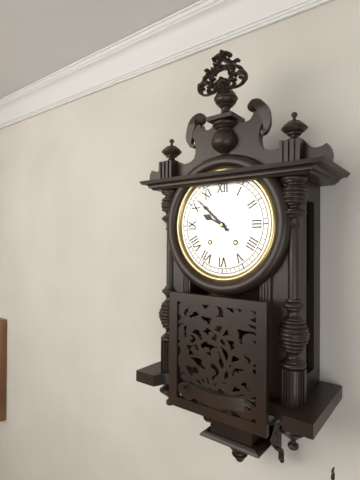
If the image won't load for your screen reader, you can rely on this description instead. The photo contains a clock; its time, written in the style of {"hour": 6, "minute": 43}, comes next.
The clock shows {"hour": 9, "minute": 52}
